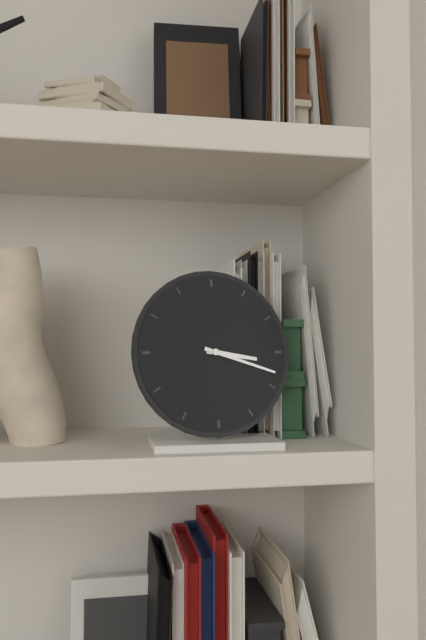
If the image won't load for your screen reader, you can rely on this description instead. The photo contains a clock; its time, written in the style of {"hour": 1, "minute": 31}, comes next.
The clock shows {"hour": 3, "minute": 18}
